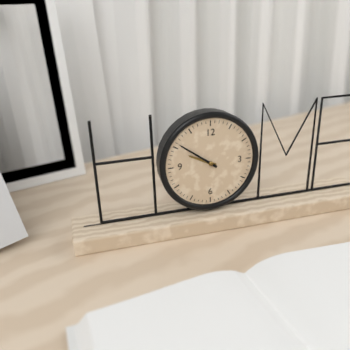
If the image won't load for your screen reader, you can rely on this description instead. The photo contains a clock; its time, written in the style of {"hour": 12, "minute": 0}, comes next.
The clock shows {"hour": 9, "minute": 51}
